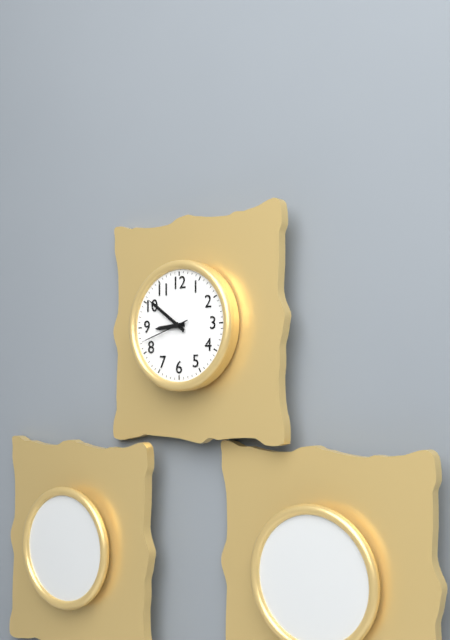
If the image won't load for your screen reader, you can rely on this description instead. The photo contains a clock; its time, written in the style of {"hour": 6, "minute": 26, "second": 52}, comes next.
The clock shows {"hour": 8, "minute": 51, "second": 42}
